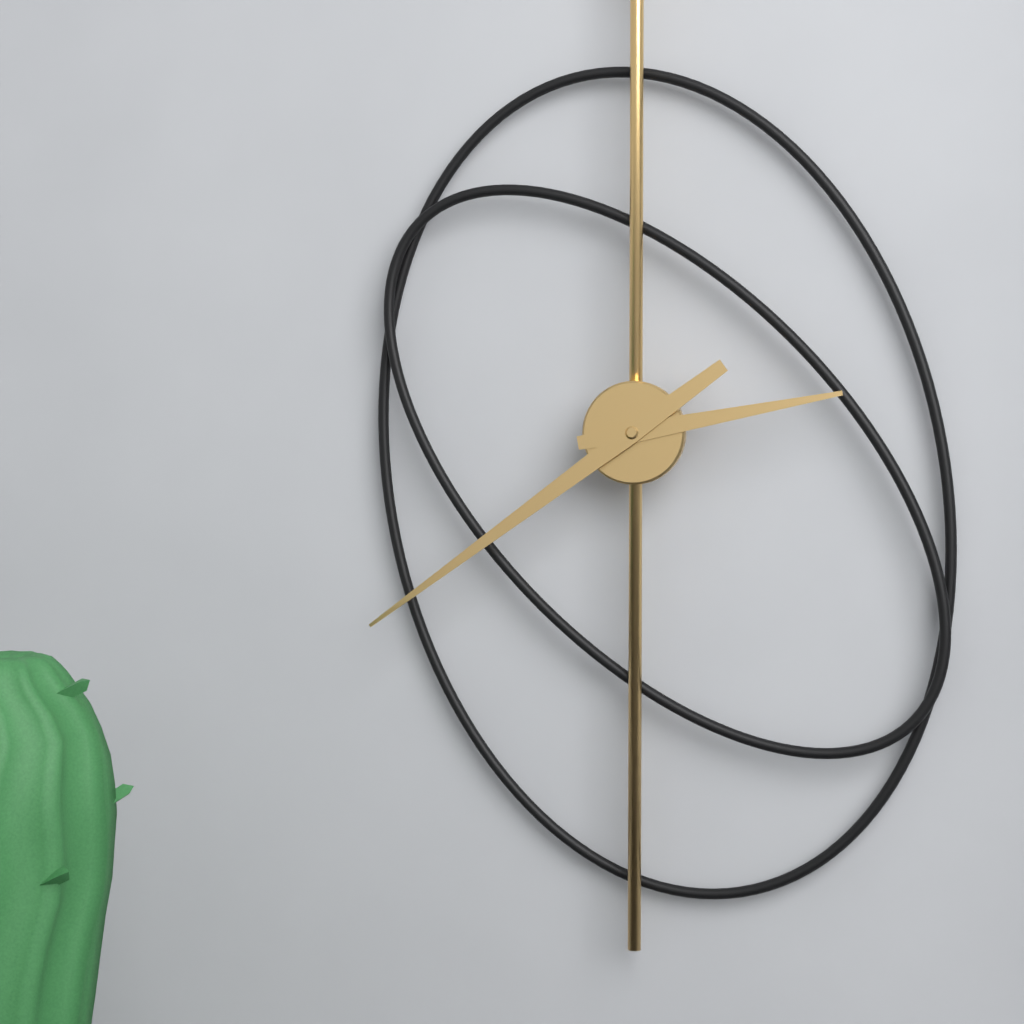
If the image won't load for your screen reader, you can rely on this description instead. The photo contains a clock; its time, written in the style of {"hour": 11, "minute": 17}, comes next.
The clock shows {"hour": 2, "minute": 39}
